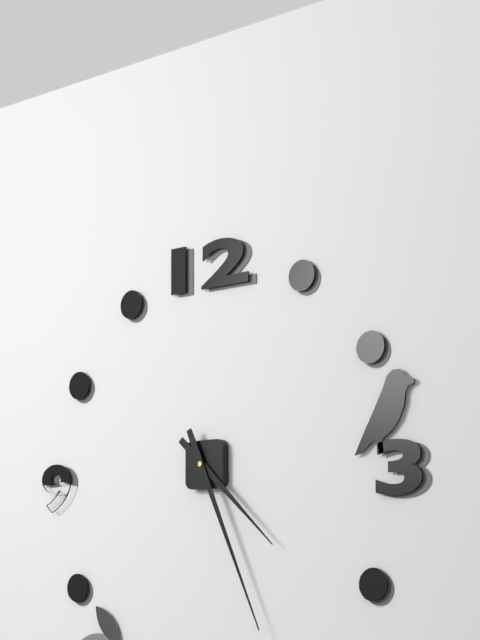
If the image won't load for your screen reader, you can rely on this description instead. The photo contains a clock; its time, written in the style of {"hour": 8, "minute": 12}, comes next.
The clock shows {"hour": 4, "minute": 26}
